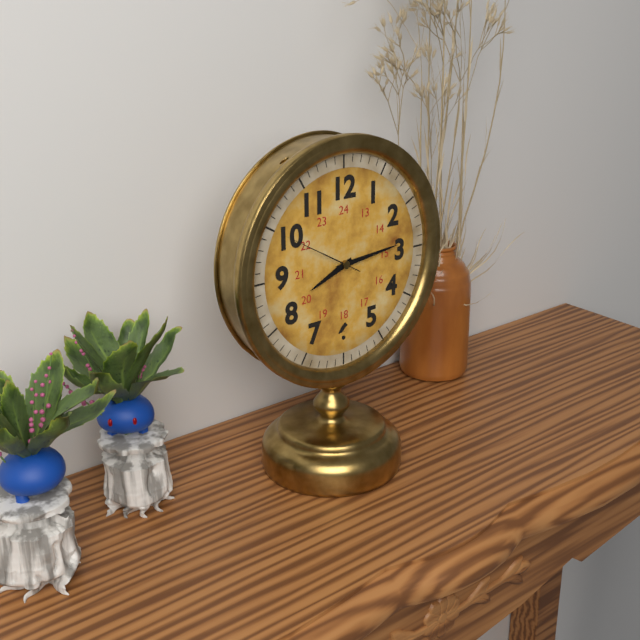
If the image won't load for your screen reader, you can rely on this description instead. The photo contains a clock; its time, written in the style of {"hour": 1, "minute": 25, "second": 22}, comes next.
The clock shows {"hour": 8, "minute": 14, "second": 50}
